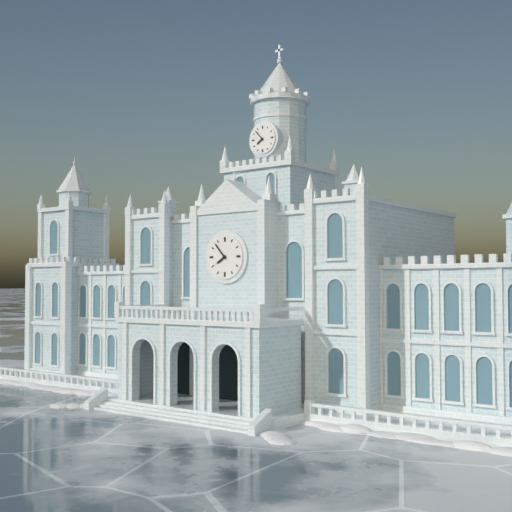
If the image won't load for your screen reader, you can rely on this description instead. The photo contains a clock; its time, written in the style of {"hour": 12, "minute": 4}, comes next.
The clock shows {"hour": 7, "minute": 53}
